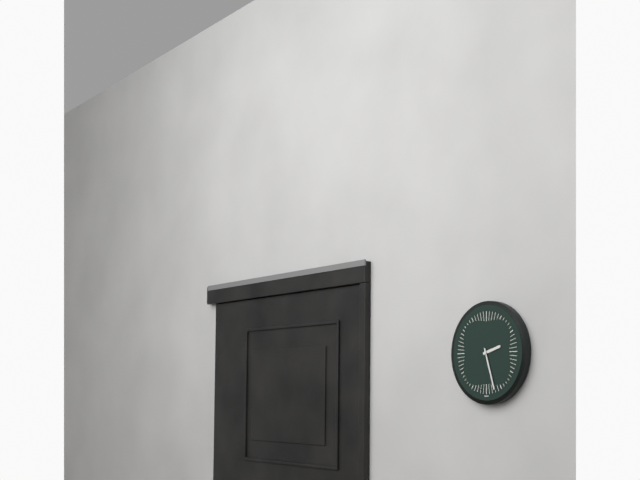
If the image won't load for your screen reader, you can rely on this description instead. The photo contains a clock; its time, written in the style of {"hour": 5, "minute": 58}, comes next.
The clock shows {"hour": 2, "minute": 27}
